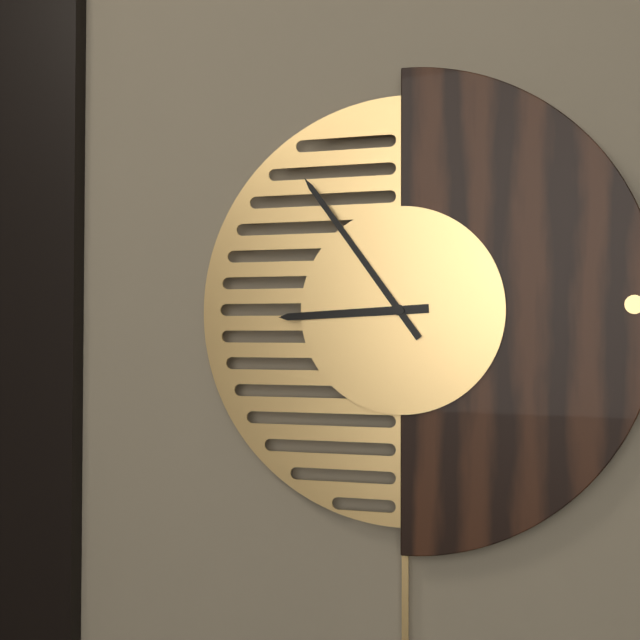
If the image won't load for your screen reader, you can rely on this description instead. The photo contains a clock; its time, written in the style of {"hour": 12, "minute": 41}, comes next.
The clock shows {"hour": 8, "minute": 54}
